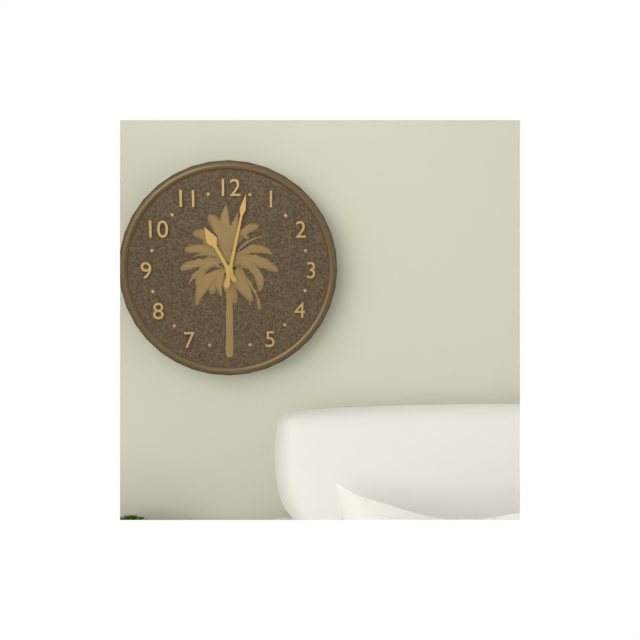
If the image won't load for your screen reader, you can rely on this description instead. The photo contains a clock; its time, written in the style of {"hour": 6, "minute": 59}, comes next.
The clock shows {"hour": 11, "minute": 2}
